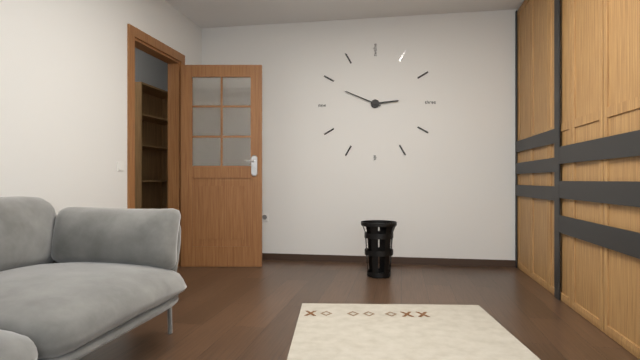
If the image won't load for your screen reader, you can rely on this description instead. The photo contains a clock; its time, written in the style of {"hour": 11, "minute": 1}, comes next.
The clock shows {"hour": 2, "minute": 49}
